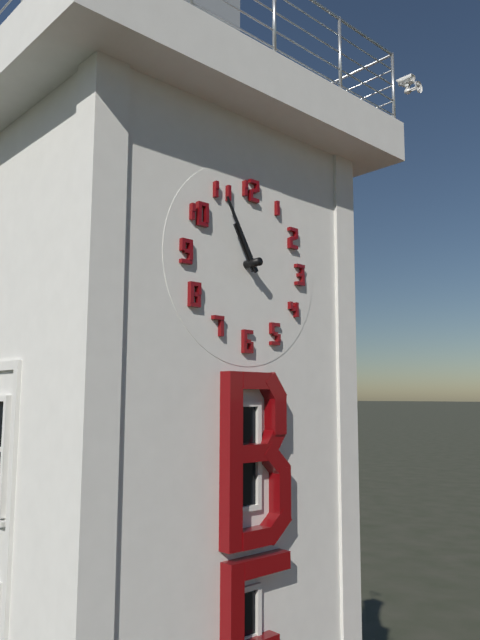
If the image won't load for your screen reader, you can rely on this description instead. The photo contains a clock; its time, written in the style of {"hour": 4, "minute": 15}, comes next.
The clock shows {"hour": 10, "minute": 55}
